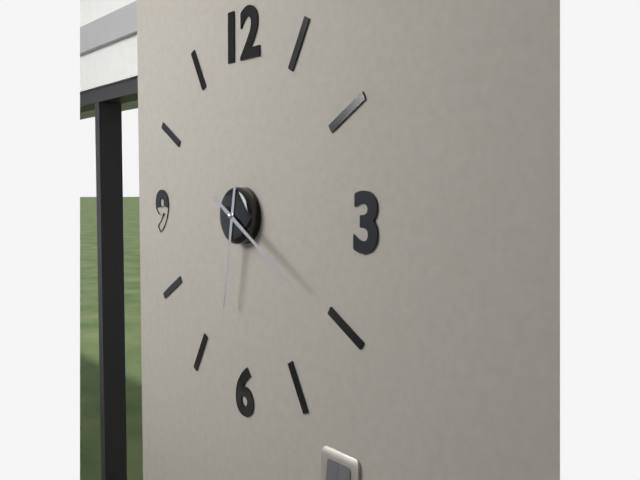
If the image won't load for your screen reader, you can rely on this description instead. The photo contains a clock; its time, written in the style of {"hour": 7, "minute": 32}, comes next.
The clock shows {"hour": 6, "minute": 20}
